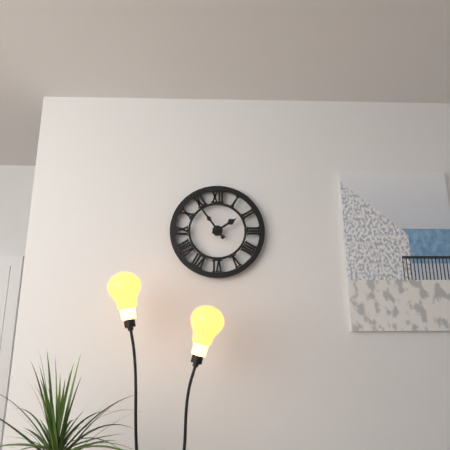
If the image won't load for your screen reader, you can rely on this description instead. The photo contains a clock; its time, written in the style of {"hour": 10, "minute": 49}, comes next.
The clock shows {"hour": 1, "minute": 54}
